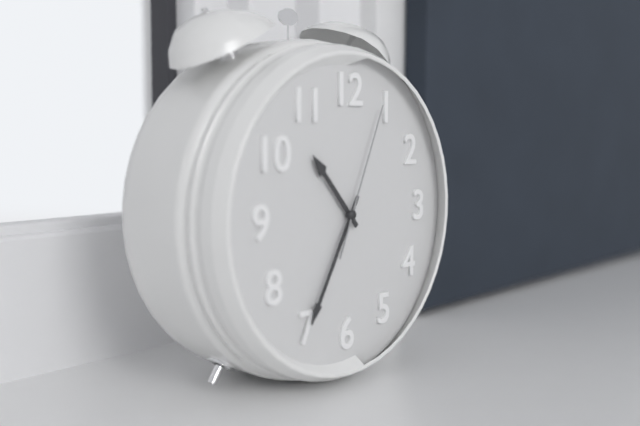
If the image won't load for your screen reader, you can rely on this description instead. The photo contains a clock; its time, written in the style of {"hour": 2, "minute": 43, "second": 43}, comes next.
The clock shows {"hour": 10, "minute": 35, "second": 4}
